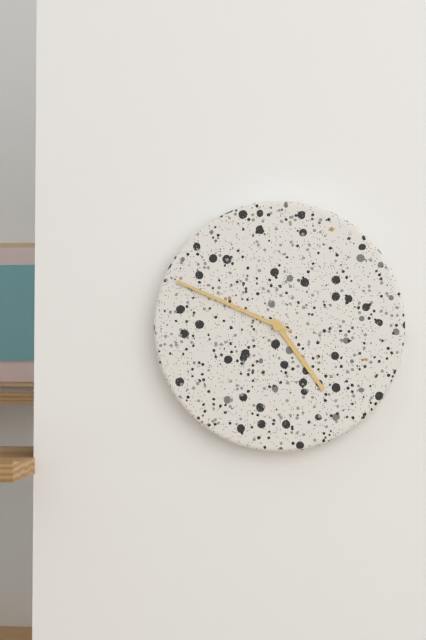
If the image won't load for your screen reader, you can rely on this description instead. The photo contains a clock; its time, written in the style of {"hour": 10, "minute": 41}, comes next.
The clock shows {"hour": 4, "minute": 49}
